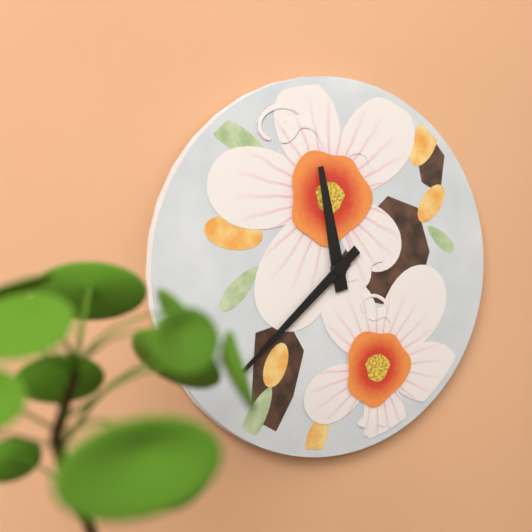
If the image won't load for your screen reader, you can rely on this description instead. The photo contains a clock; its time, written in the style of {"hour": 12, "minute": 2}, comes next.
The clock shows {"hour": 11, "minute": 38}
